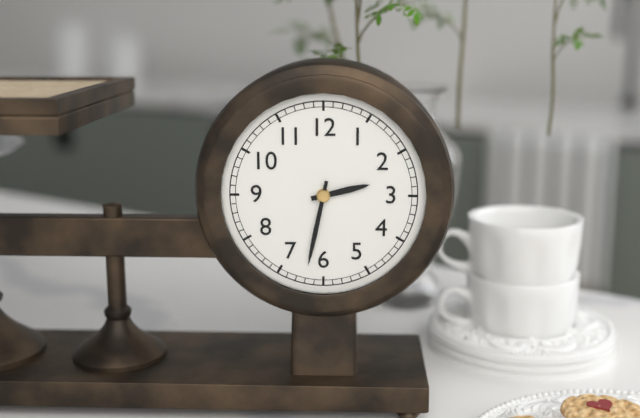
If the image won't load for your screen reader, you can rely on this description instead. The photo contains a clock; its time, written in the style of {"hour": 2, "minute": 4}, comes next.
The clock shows {"hour": 2, "minute": 32}
